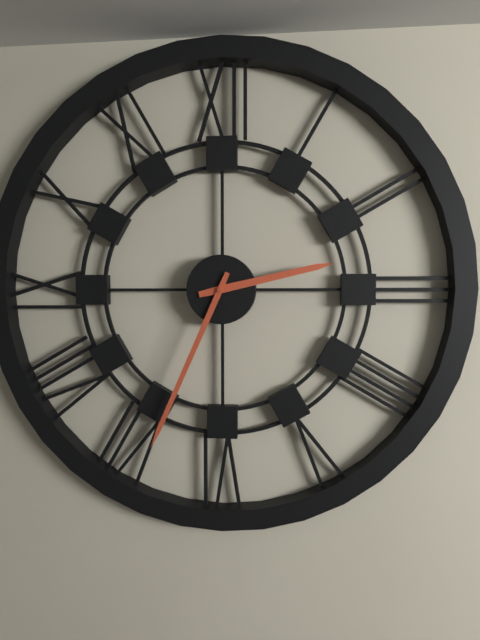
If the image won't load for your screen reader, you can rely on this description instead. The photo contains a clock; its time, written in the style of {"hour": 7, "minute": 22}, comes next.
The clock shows {"hour": 2, "minute": 34}
